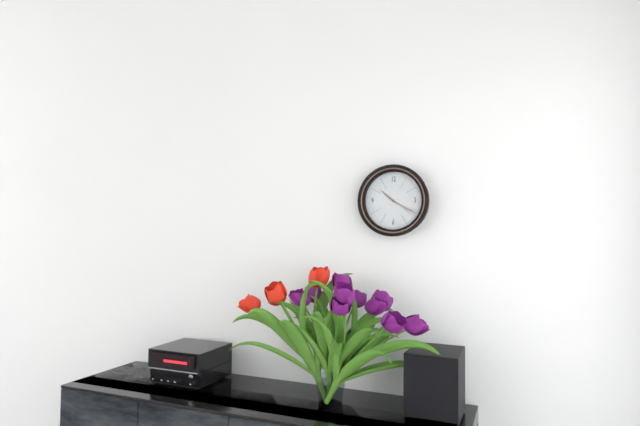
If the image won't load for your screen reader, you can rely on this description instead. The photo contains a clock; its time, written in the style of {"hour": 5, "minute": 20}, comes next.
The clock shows {"hour": 10, "minute": 20}
